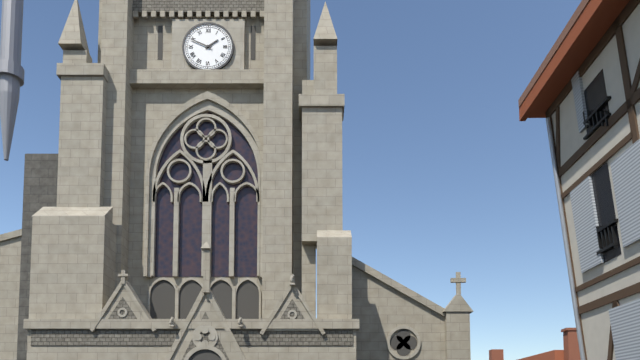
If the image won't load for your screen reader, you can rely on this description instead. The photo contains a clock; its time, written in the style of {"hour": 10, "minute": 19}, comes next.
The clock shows {"hour": 1, "minute": 49}
